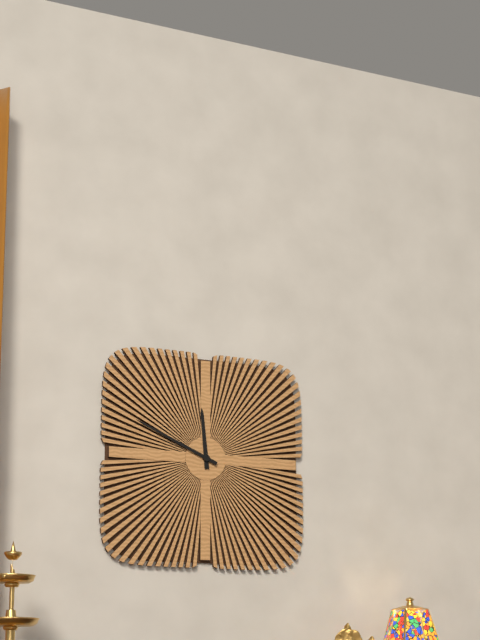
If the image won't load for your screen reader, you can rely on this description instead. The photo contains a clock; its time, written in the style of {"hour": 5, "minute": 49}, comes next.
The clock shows {"hour": 11, "minute": 49}
